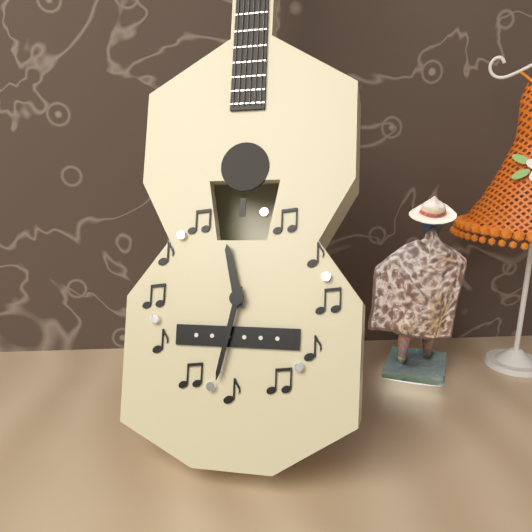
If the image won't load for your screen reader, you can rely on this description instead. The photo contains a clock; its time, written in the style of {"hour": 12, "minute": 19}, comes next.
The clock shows {"hour": 11, "minute": 32}
